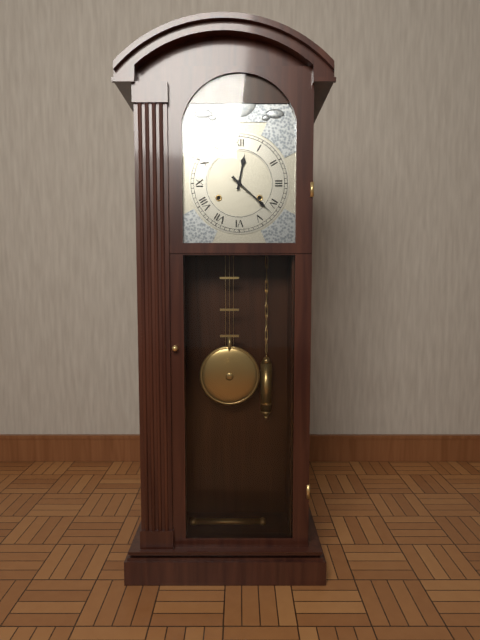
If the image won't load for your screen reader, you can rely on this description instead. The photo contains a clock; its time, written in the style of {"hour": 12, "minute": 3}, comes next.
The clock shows {"hour": 12, "minute": 22}
